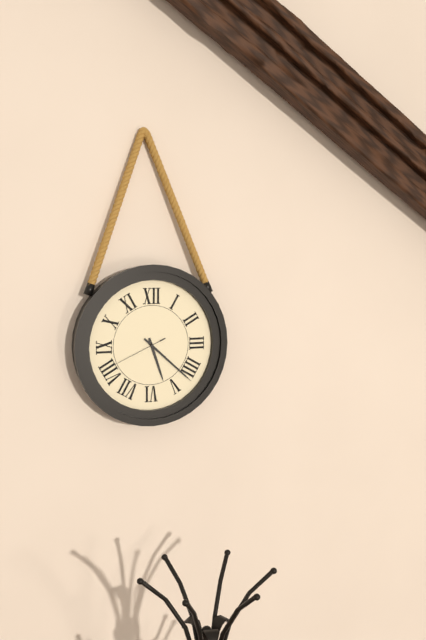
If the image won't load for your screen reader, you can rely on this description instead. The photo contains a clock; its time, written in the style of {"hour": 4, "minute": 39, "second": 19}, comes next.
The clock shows {"hour": 5, "minute": 22, "second": 41}
